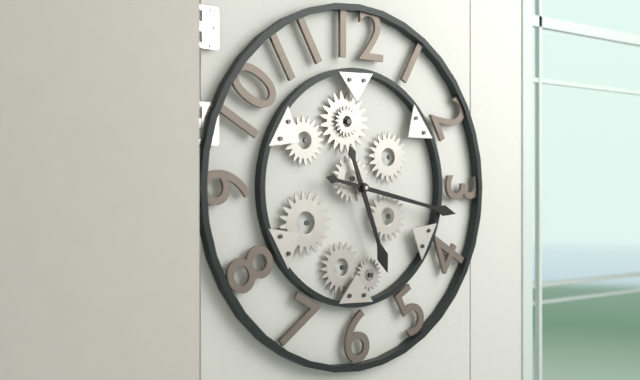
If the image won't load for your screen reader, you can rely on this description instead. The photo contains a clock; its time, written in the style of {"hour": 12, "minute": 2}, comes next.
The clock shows {"hour": 5, "minute": 17}
